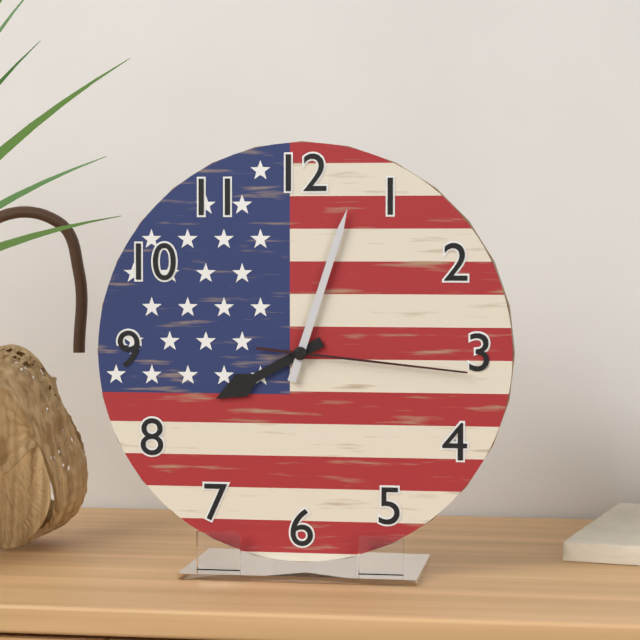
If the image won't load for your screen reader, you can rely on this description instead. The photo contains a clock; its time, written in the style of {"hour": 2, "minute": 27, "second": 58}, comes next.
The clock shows {"hour": 8, "minute": 3, "second": 16}
